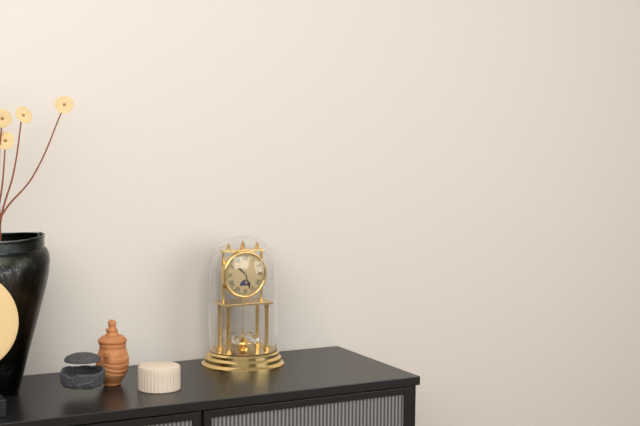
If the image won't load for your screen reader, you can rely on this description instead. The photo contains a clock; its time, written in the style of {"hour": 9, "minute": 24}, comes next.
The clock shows {"hour": 10, "minute": 27}
